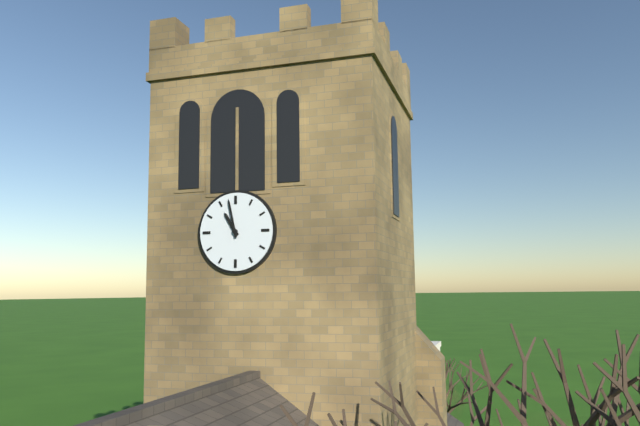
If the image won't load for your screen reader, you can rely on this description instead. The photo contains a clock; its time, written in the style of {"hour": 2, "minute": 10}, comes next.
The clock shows {"hour": 10, "minute": 58}
